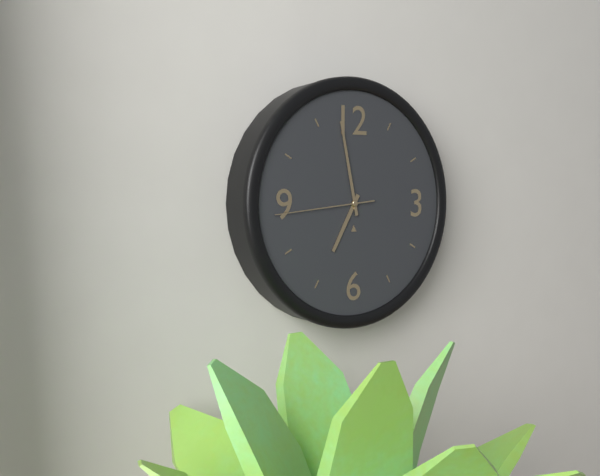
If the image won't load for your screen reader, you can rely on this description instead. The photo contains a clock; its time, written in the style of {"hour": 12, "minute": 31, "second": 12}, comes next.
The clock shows {"hour": 6, "minute": 58, "second": 44}
